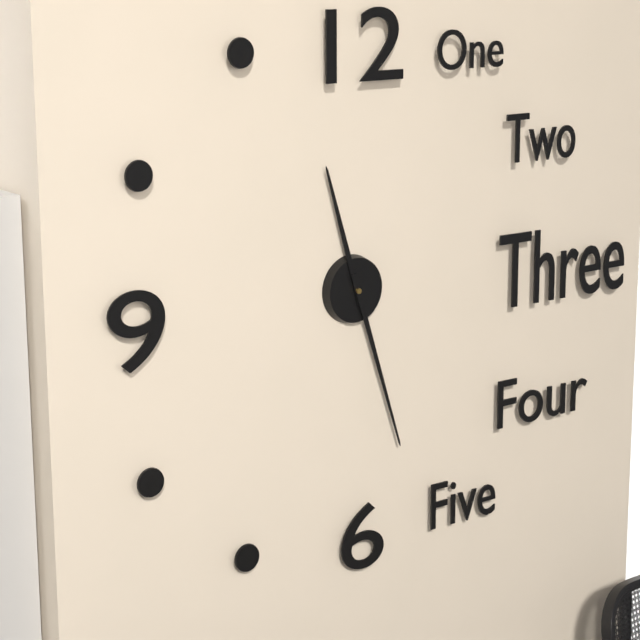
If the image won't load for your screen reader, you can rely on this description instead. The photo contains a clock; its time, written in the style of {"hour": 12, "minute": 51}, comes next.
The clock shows {"hour": 11, "minute": 27}
